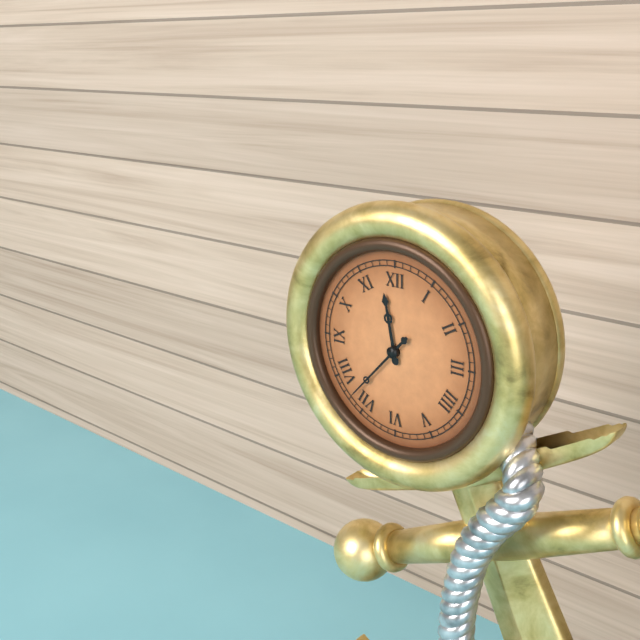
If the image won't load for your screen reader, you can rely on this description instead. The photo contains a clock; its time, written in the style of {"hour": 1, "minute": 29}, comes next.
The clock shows {"hour": 11, "minute": 37}
